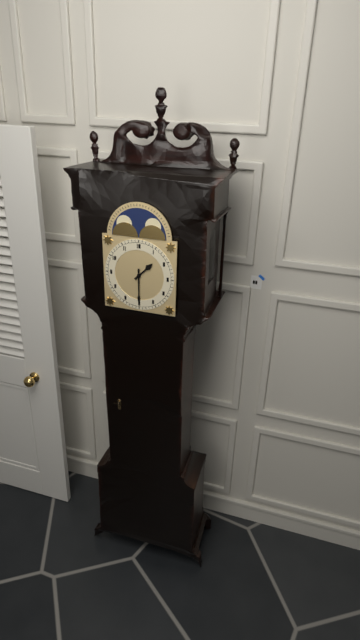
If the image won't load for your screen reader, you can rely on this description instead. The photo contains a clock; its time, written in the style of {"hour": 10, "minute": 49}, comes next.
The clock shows {"hour": 1, "minute": 30}
